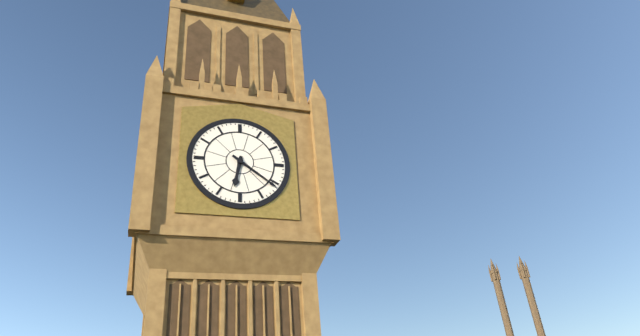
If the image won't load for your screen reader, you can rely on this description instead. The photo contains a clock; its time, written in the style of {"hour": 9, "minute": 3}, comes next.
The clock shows {"hour": 6, "minute": 21}
